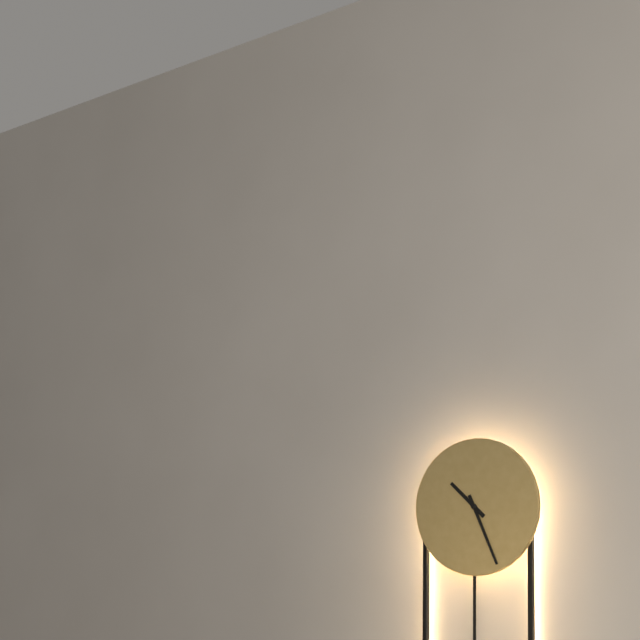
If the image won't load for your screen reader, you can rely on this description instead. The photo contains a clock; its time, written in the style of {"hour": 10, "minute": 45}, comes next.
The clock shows {"hour": 10, "minute": 26}
